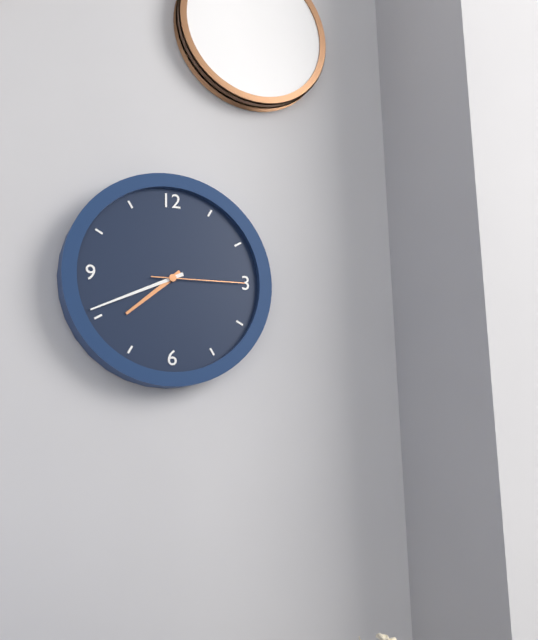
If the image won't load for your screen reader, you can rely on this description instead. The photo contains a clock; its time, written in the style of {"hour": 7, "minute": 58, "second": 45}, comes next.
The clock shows {"hour": 7, "minute": 41, "second": 15}
